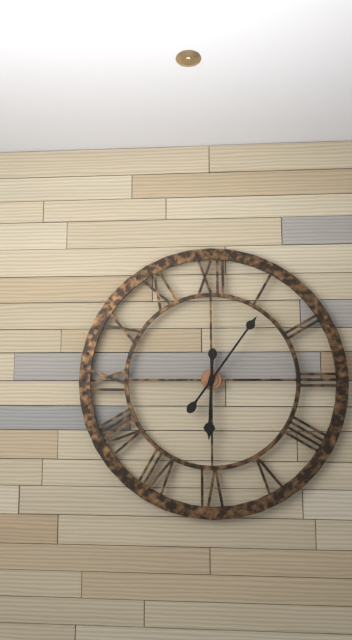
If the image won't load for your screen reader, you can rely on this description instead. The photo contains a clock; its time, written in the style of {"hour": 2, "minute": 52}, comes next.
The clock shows {"hour": 6, "minute": 6}
